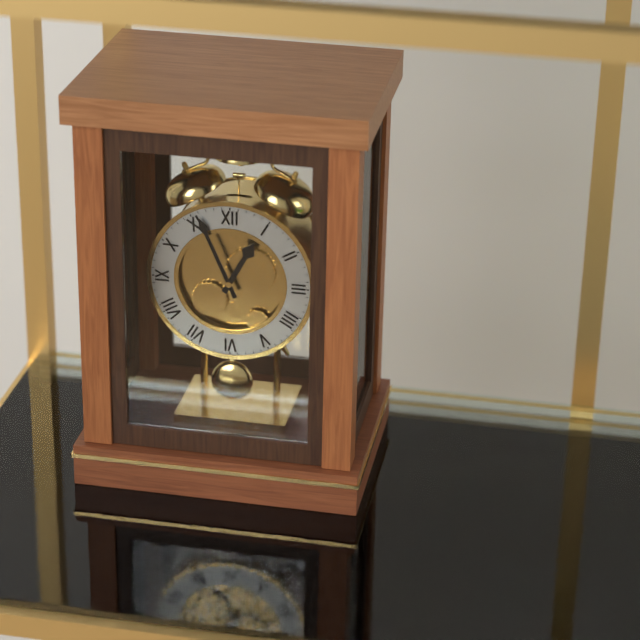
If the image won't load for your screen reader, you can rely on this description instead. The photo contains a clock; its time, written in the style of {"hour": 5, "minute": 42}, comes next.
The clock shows {"hour": 12, "minute": 56}
